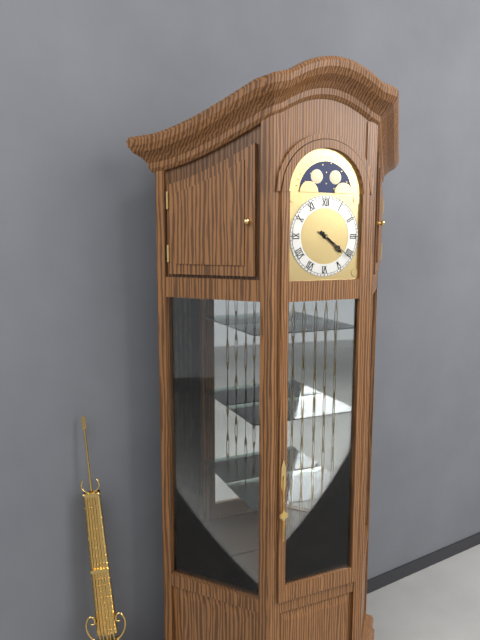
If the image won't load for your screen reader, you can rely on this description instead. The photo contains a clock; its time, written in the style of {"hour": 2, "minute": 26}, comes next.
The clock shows {"hour": 4, "minute": 21}
